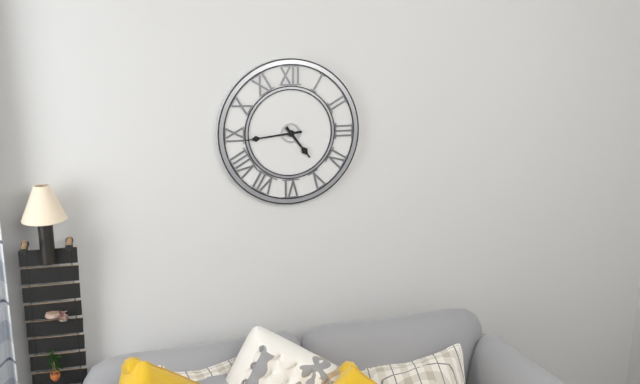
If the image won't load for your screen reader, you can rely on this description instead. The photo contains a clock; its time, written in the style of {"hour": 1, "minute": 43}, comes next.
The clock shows {"hour": 4, "minute": 44}
